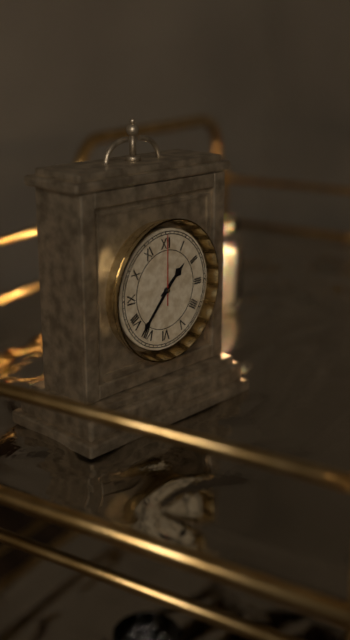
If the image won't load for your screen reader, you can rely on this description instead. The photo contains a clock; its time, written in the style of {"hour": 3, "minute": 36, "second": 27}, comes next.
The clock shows {"hour": 1, "minute": 37, "second": 0}
